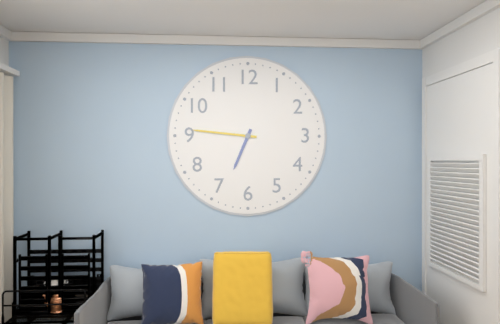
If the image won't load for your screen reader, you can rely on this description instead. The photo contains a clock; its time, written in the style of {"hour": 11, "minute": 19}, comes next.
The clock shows {"hour": 6, "minute": 46}
